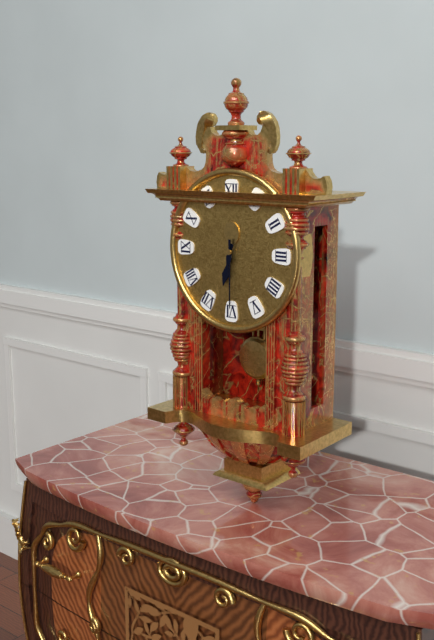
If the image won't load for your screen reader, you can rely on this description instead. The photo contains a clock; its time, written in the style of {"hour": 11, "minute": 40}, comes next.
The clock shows {"hour": 6, "minute": 30}
